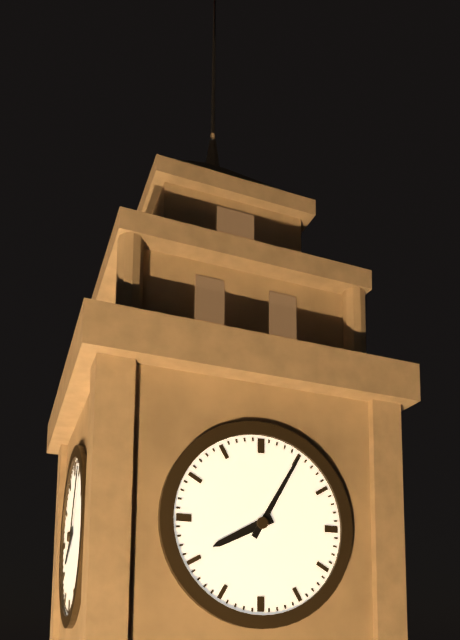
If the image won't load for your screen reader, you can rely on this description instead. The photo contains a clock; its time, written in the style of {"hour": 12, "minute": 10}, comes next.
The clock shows {"hour": 8, "minute": 5}
